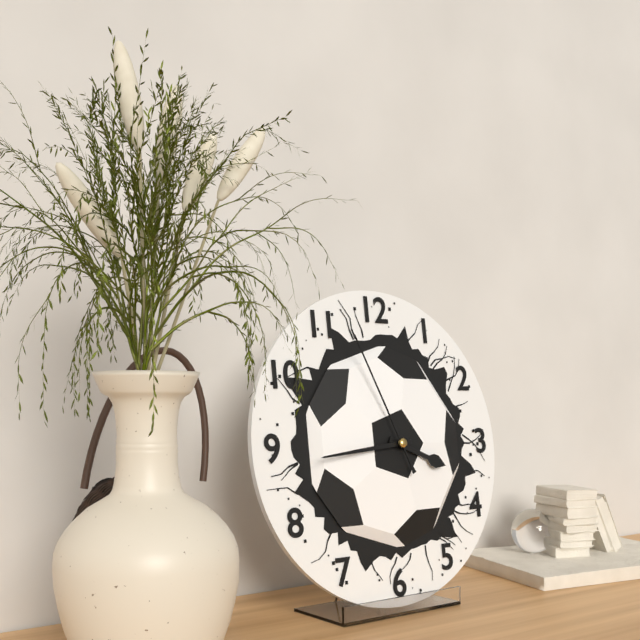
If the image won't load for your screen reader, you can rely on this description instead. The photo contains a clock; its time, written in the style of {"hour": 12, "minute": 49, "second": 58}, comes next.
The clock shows {"hour": 3, "minute": 44, "second": 56}
